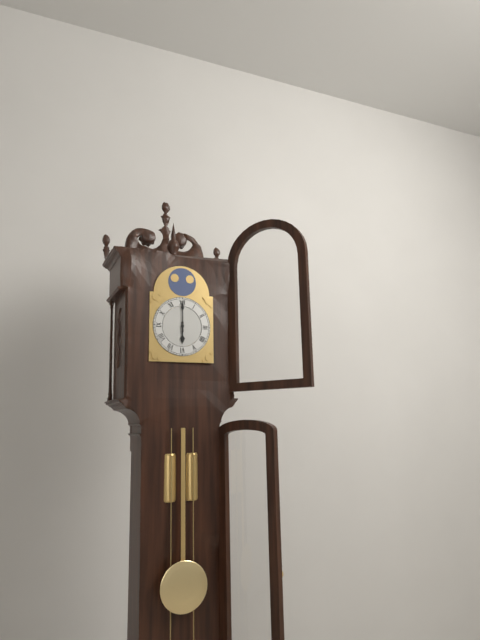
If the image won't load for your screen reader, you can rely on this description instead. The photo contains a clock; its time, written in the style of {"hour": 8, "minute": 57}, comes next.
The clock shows {"hour": 6, "minute": 0}
